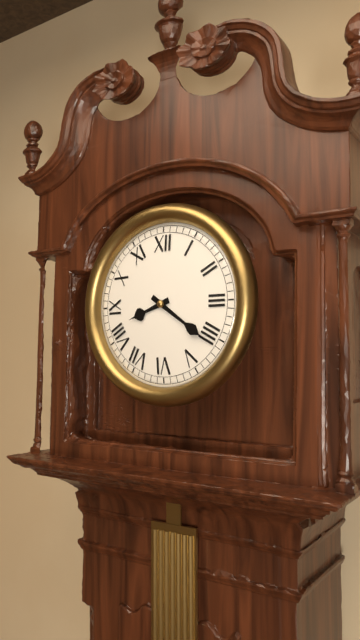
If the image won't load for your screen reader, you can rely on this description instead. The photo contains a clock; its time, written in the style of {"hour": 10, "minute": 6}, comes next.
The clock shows {"hour": 8, "minute": 21}
